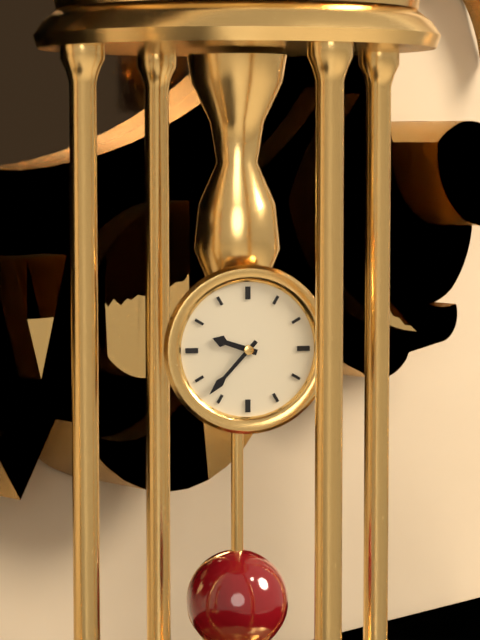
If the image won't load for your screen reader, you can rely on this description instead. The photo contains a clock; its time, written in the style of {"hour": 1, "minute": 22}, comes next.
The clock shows {"hour": 9, "minute": 37}
